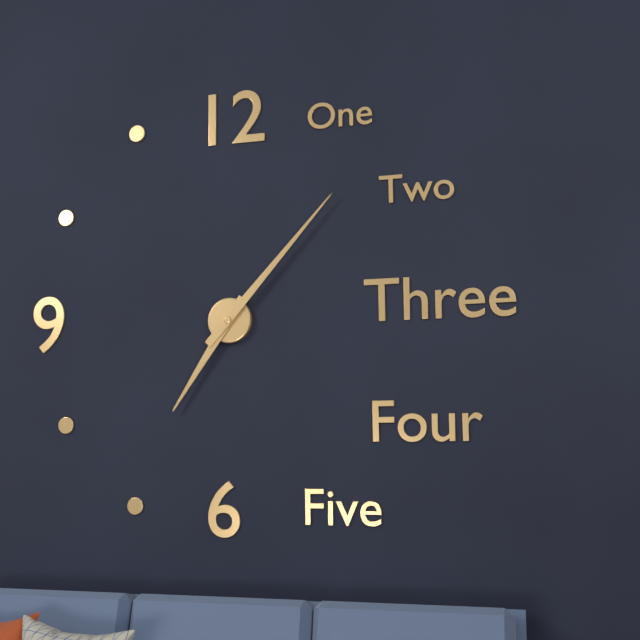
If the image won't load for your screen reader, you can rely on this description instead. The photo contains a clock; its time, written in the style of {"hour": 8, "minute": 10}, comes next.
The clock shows {"hour": 7, "minute": 7}
